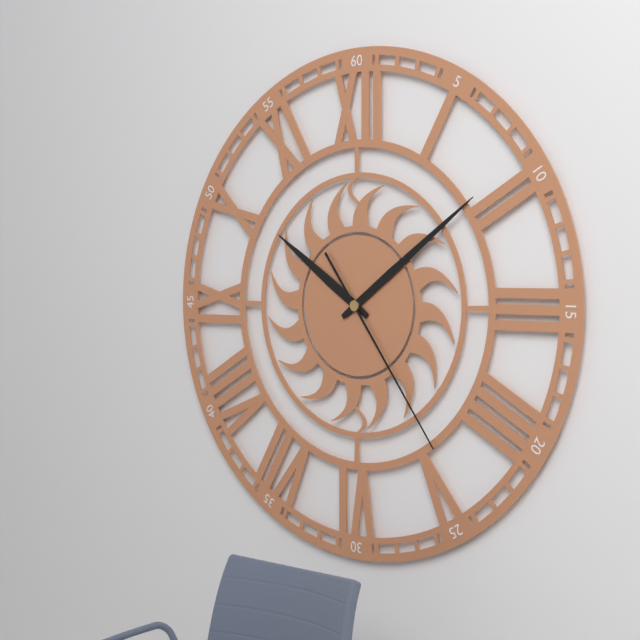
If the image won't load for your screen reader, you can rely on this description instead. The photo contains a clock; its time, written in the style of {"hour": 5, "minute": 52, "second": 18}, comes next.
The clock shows {"hour": 10, "minute": 9, "second": 24}
